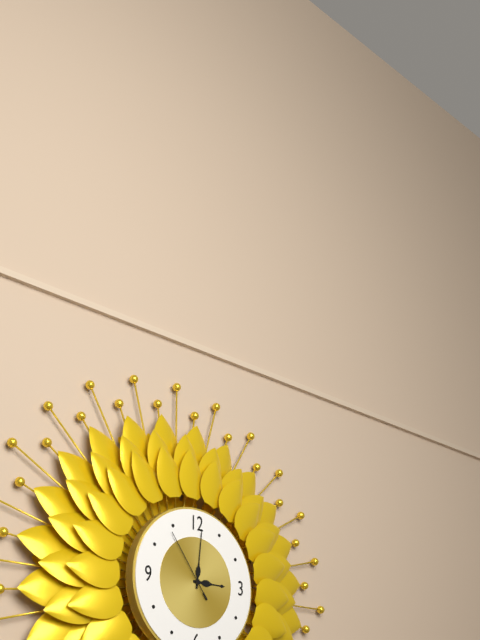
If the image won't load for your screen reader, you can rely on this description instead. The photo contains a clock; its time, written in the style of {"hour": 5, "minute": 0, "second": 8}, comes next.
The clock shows {"hour": 3, "minute": 1, "second": 54}
